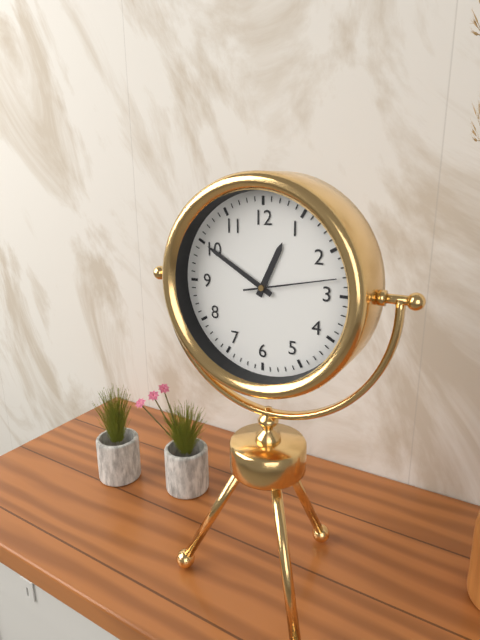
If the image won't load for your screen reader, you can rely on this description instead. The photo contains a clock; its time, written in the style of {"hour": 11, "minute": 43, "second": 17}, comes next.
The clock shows {"hour": 12, "minute": 50, "second": 13}
